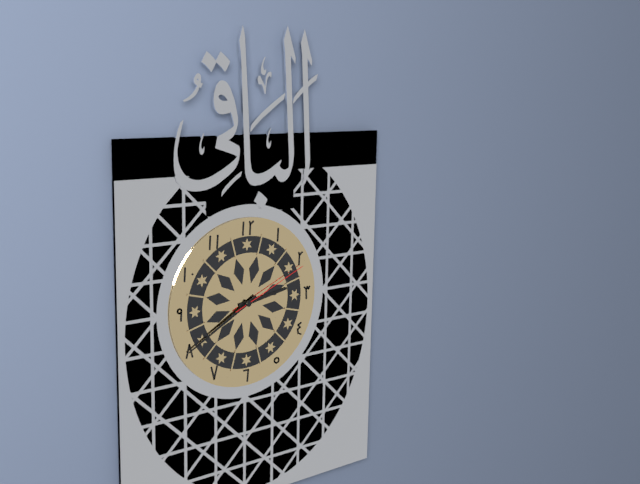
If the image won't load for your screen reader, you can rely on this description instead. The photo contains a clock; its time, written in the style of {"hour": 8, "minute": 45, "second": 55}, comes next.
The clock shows {"hour": 2, "minute": 40, "second": 11}
